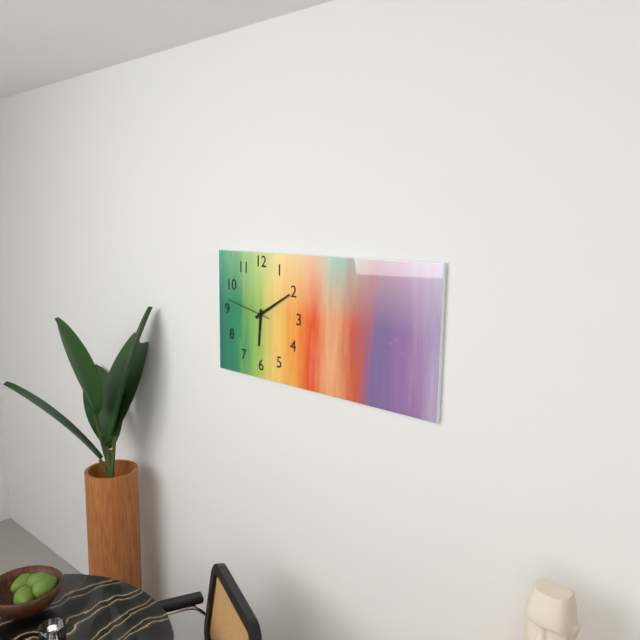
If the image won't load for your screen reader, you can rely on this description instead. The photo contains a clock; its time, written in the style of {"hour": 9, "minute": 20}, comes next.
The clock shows {"hour": 6, "minute": 10}
